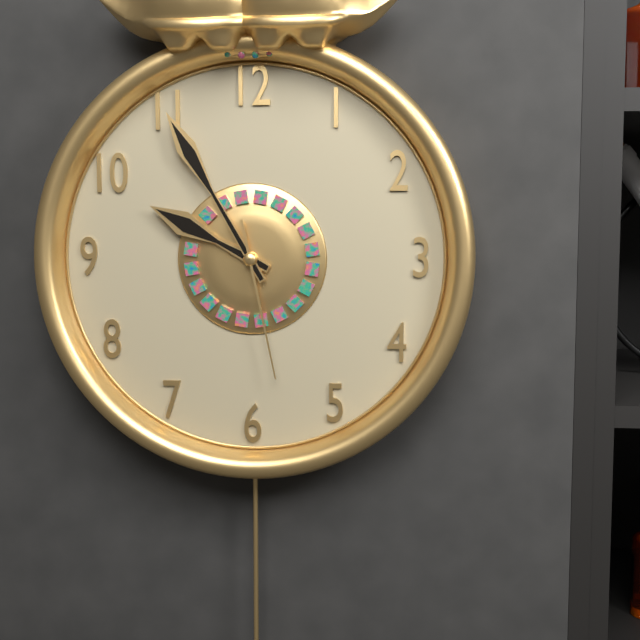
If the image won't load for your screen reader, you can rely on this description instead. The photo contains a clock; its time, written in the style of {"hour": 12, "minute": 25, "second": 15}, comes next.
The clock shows {"hour": 9, "minute": 55, "second": 28}
